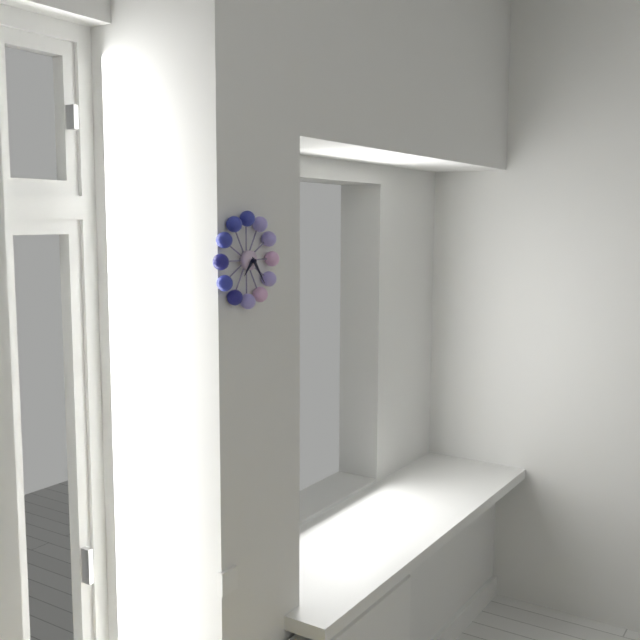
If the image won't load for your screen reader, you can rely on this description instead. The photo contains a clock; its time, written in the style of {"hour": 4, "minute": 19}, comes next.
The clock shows {"hour": 7, "minute": 24}
